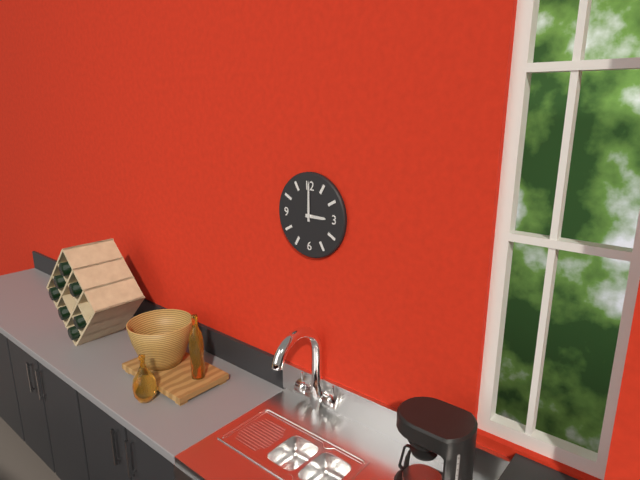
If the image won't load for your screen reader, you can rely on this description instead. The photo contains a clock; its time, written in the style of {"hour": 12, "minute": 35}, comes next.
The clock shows {"hour": 3, "minute": 0}
